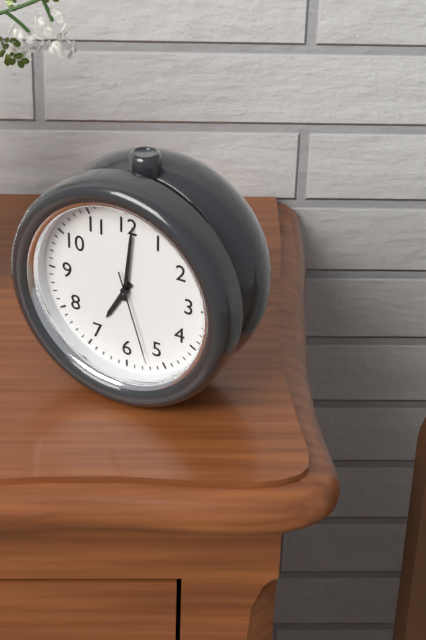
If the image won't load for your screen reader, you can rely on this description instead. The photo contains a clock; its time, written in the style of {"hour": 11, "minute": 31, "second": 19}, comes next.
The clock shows {"hour": 7, "minute": 1, "second": 27}
